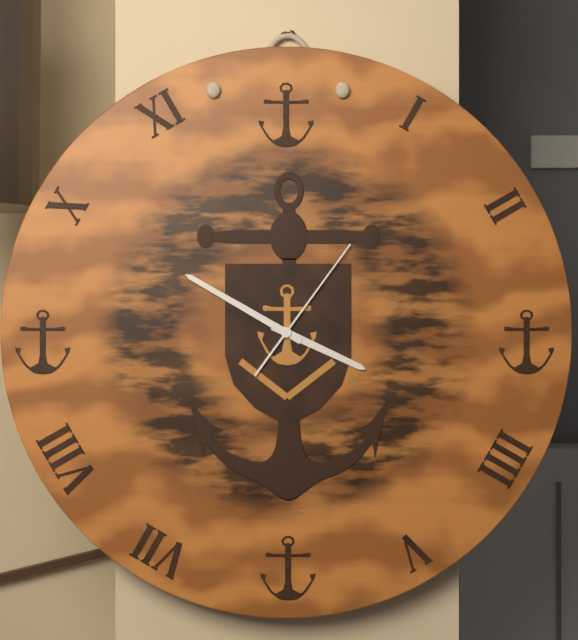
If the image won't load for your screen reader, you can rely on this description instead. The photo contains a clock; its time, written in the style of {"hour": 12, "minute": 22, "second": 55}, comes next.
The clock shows {"hour": 3, "minute": 50, "second": 6}
